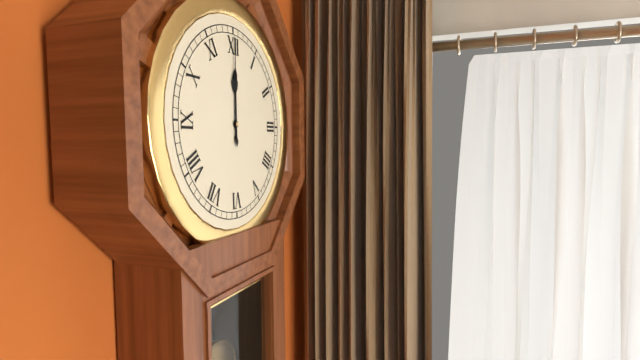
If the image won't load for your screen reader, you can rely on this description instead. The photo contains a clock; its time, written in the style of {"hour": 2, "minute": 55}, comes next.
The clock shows {"hour": 12, "minute": 0}
